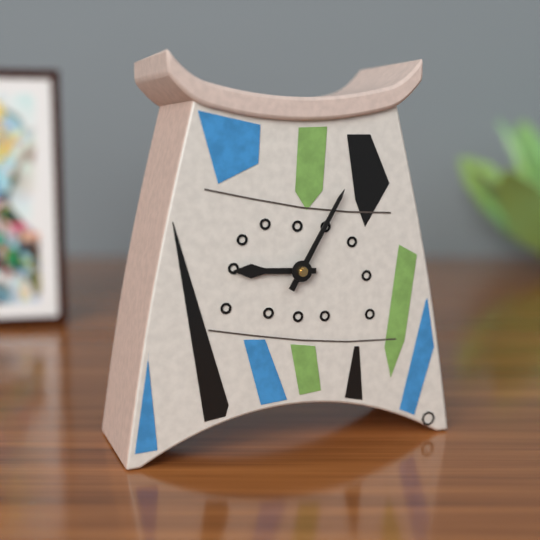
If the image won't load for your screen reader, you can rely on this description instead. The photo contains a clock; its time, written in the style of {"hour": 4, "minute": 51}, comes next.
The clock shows {"hour": 9, "minute": 5}
